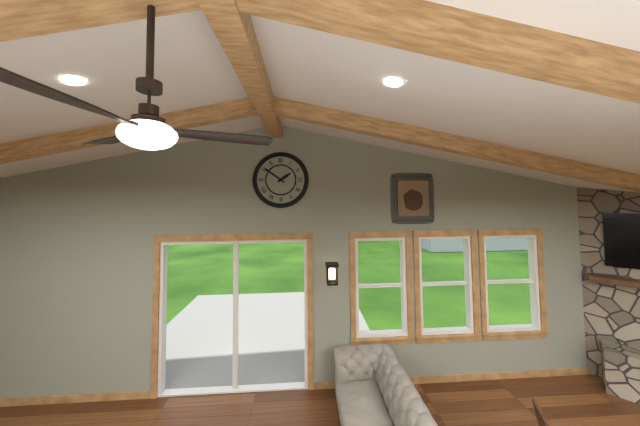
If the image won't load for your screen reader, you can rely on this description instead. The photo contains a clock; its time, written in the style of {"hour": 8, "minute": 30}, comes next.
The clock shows {"hour": 1, "minute": 51}
